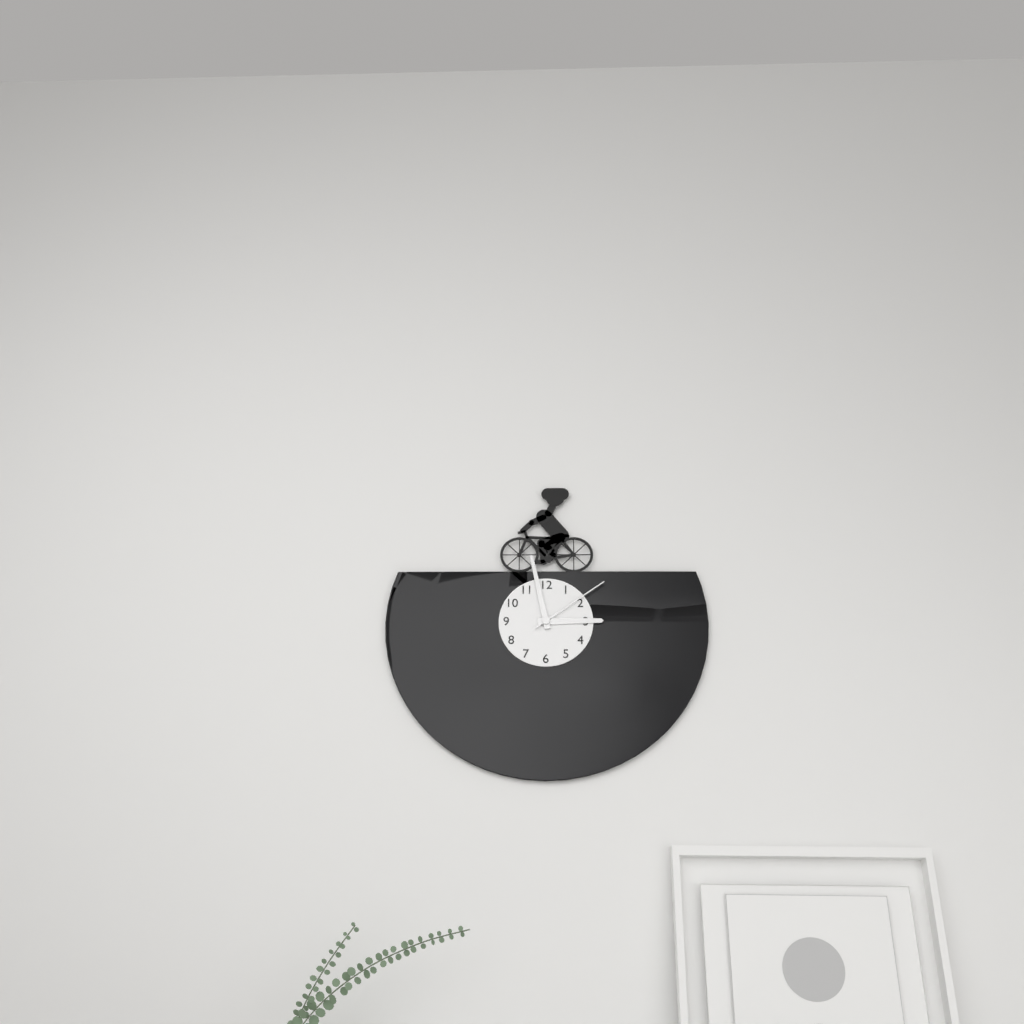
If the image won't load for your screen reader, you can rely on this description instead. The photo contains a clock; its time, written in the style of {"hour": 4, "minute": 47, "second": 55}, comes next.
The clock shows {"hour": 2, "minute": 58, "second": 9}
